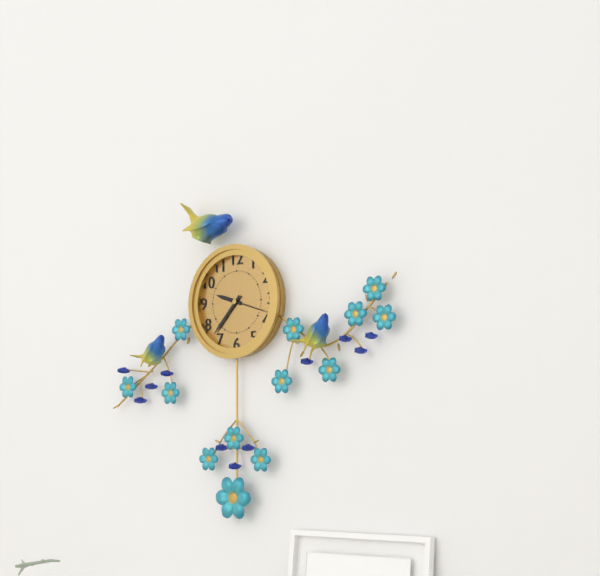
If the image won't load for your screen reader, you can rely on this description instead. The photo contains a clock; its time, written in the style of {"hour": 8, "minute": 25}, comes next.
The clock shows {"hour": 9, "minute": 37}
